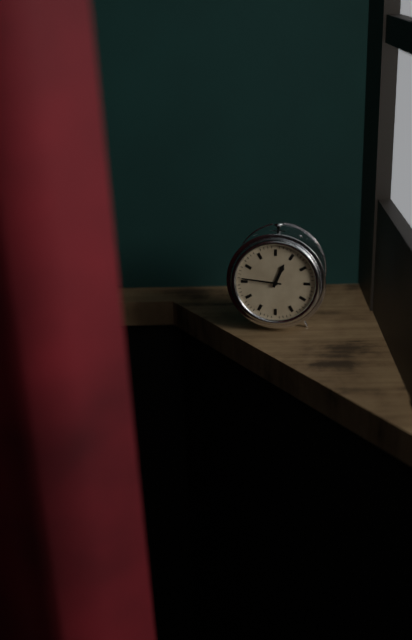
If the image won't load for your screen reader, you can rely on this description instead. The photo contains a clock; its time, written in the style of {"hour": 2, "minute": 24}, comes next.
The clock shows {"hour": 12, "minute": 46}
